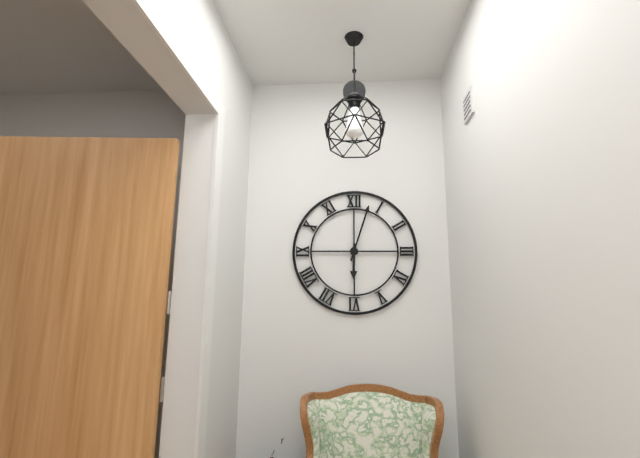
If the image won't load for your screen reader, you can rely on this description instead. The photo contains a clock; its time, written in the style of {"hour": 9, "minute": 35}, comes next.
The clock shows {"hour": 6, "minute": 3}
